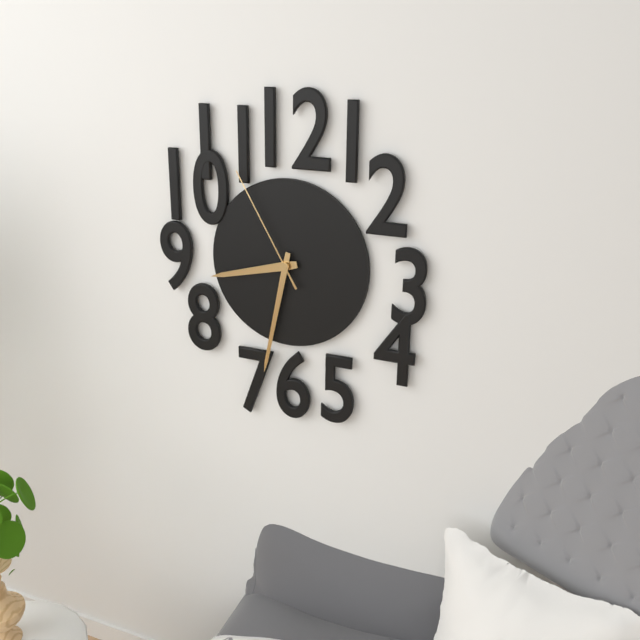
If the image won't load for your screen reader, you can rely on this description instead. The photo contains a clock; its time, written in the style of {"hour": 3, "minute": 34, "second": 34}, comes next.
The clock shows {"hour": 8, "minute": 32, "second": 55}
